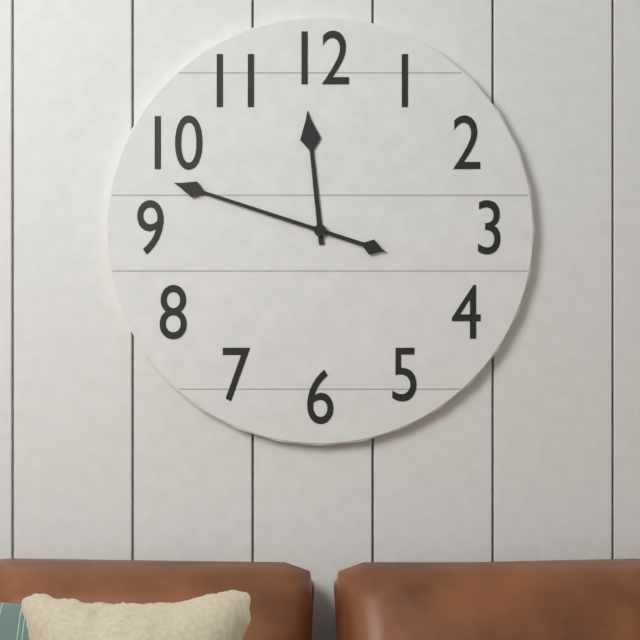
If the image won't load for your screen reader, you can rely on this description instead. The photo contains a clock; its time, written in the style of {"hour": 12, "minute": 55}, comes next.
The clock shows {"hour": 11, "minute": 48}
